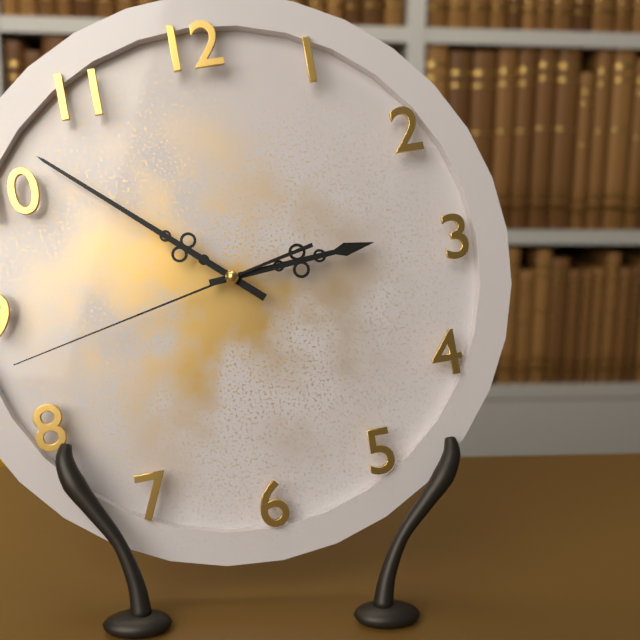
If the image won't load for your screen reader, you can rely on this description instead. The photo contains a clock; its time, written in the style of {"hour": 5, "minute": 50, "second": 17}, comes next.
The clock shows {"hour": 2, "minute": 52, "second": 43}
